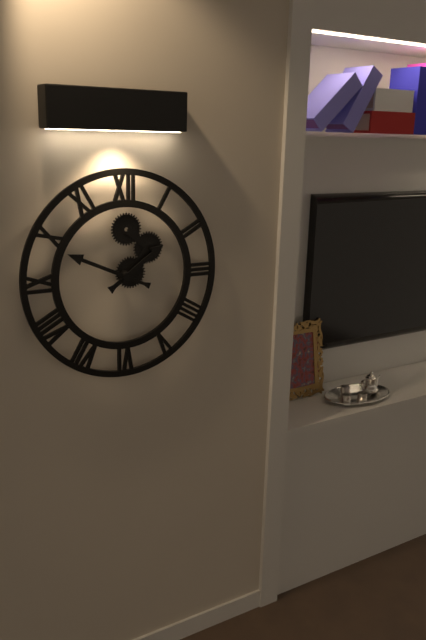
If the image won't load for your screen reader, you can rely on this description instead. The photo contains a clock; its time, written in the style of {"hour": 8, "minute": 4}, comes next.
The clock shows {"hour": 1, "minute": 49}
